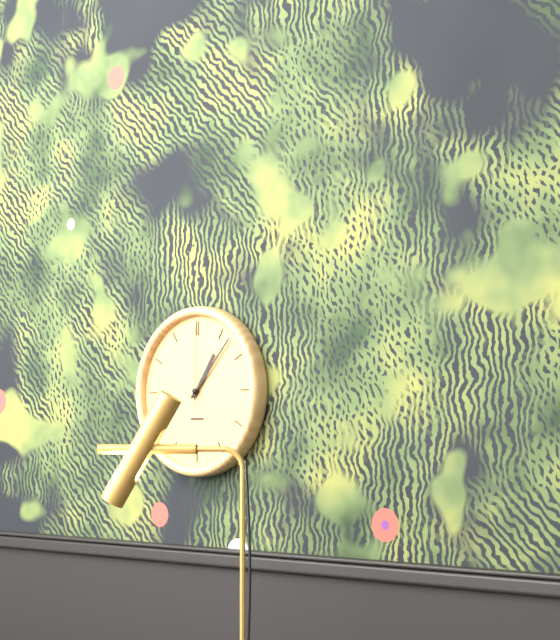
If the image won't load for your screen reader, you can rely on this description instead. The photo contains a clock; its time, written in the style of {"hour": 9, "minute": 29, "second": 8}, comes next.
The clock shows {"hour": 1, "minute": 7, "second": 0}
